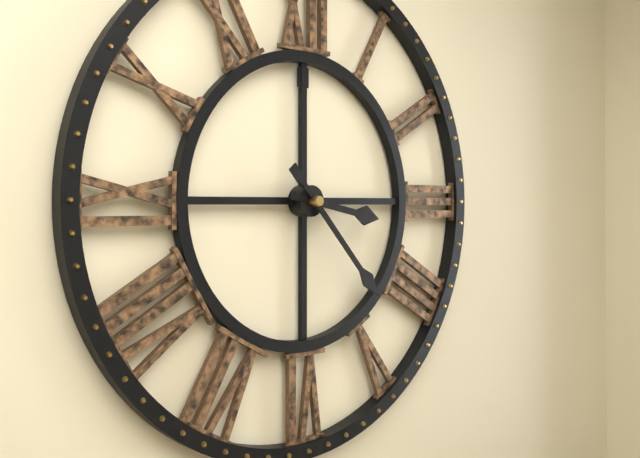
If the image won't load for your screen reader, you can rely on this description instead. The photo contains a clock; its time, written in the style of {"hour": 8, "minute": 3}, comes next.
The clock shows {"hour": 3, "minute": 23}
